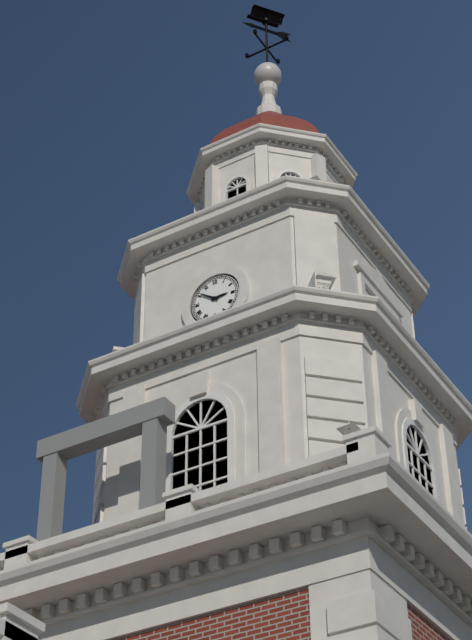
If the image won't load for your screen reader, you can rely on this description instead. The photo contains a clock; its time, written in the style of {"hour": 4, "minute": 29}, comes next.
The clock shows {"hour": 2, "minute": 51}
